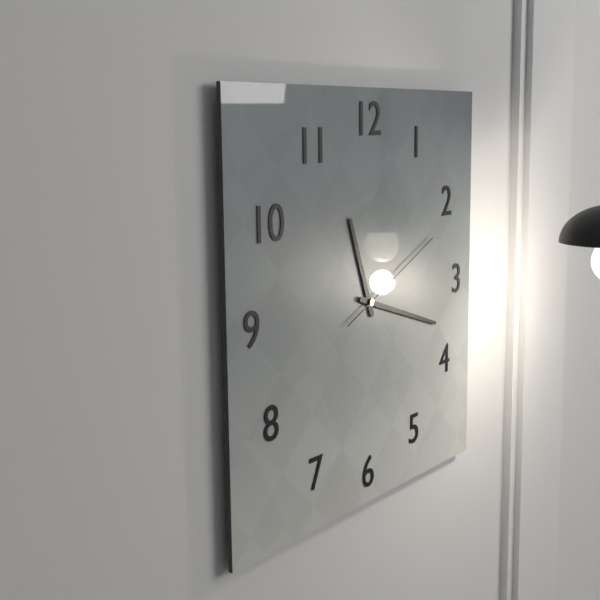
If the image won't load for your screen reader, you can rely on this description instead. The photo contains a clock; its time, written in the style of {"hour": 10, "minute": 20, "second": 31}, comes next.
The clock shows {"hour": 11, "minute": 18, "second": 11}
